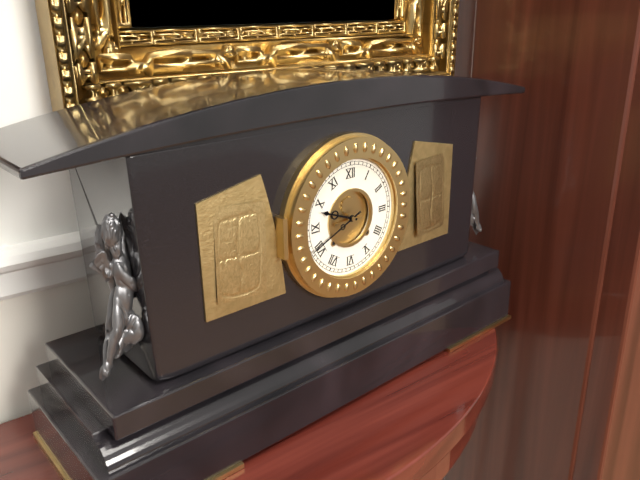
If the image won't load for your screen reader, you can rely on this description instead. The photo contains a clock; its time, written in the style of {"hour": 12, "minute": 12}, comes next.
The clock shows {"hour": 9, "minute": 41}
